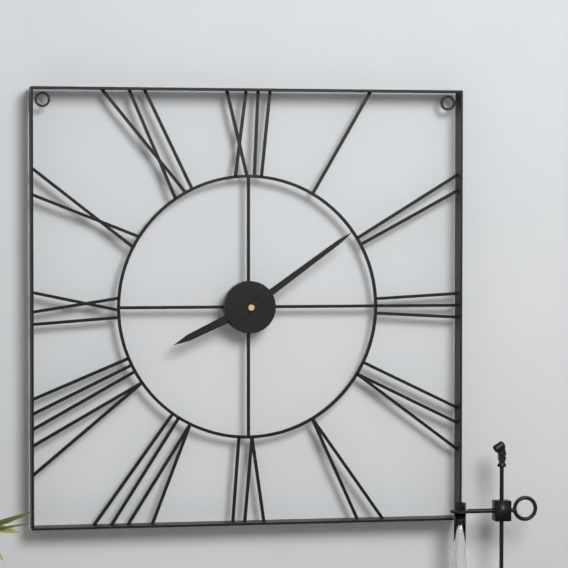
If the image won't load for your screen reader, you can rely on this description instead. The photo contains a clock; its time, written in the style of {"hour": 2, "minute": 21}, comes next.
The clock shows {"hour": 8, "minute": 9}
